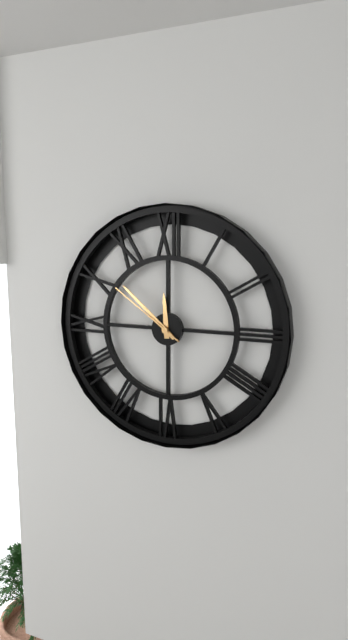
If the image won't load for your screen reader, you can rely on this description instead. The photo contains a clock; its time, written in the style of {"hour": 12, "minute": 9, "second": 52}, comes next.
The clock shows {"hour": 11, "minute": 52, "second": 51}
